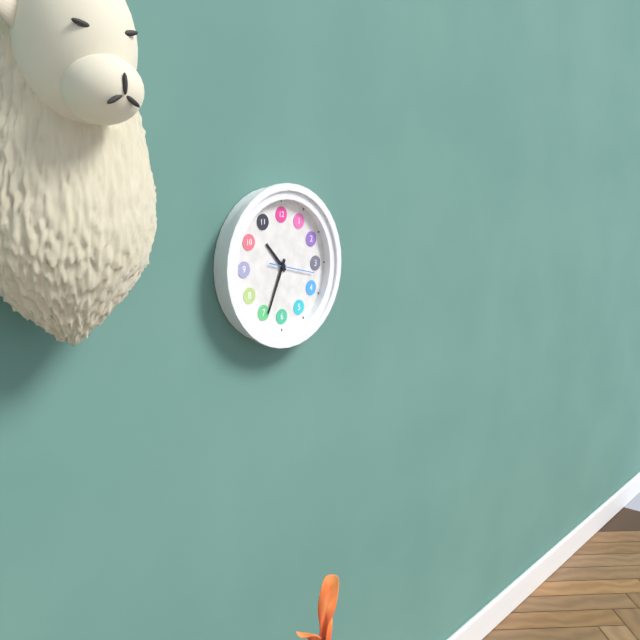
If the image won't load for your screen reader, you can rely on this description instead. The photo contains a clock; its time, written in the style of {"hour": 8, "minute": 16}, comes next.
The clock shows {"hour": 10, "minute": 34}
